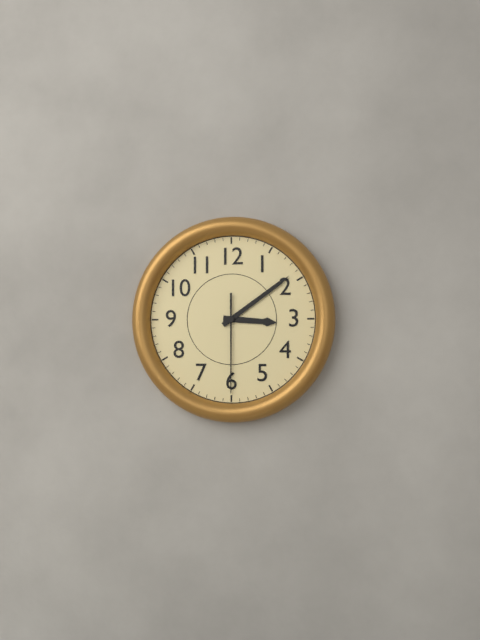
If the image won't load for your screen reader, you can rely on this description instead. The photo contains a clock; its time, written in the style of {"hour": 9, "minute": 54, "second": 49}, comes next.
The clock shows {"hour": 3, "minute": 9, "second": 30}
